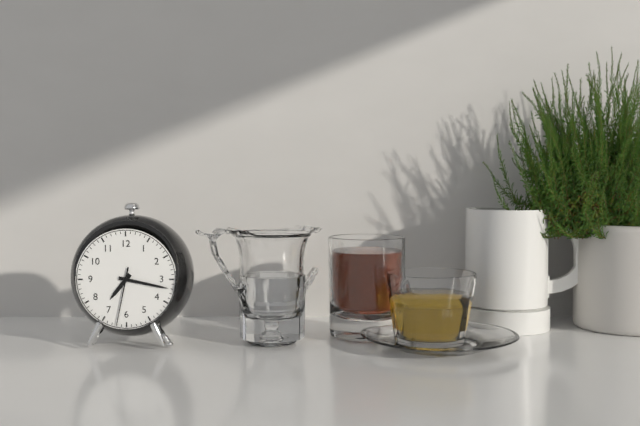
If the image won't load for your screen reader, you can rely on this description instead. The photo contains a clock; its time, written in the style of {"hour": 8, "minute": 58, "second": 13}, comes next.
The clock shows {"hour": 7, "minute": 17, "second": 32}
